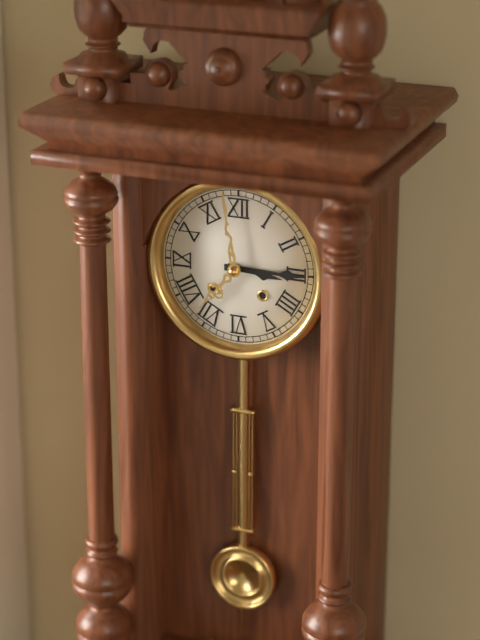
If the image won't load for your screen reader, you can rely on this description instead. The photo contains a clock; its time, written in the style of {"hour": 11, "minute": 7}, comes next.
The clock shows {"hour": 3, "minute": 15}
